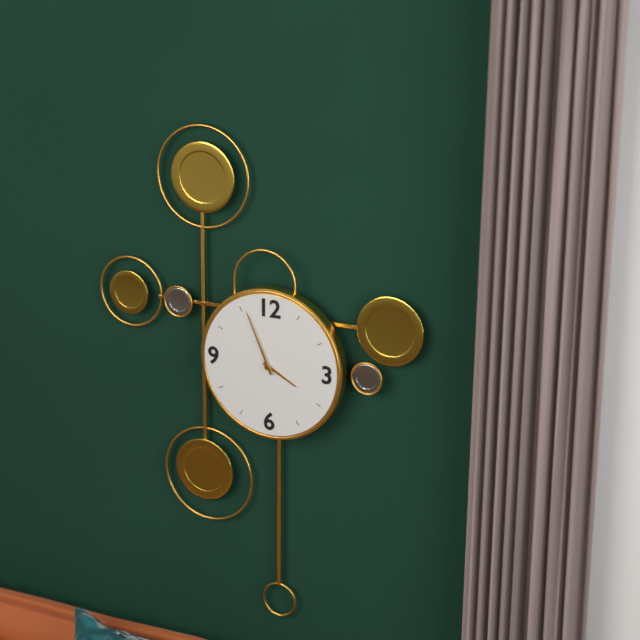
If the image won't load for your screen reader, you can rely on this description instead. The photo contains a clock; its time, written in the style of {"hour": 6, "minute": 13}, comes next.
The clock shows {"hour": 3, "minute": 56}
